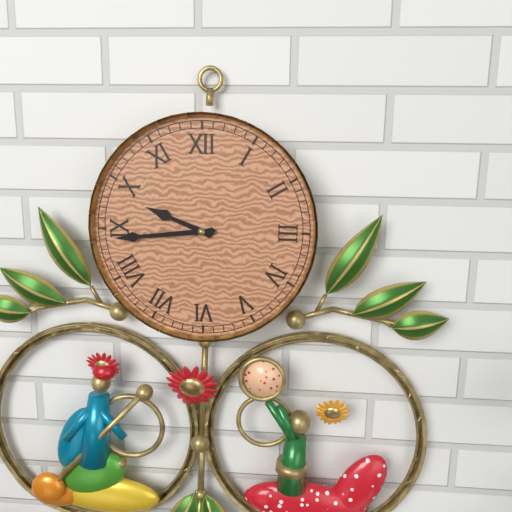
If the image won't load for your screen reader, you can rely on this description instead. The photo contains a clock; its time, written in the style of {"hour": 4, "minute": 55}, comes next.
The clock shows {"hour": 9, "minute": 44}
